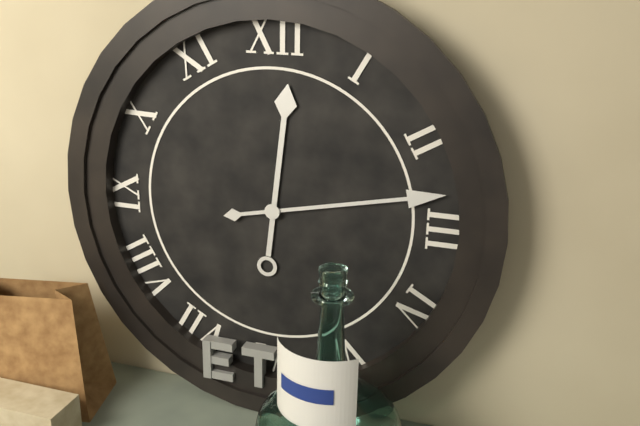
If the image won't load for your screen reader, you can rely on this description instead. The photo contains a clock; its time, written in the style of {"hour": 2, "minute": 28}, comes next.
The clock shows {"hour": 12, "minute": 13}
